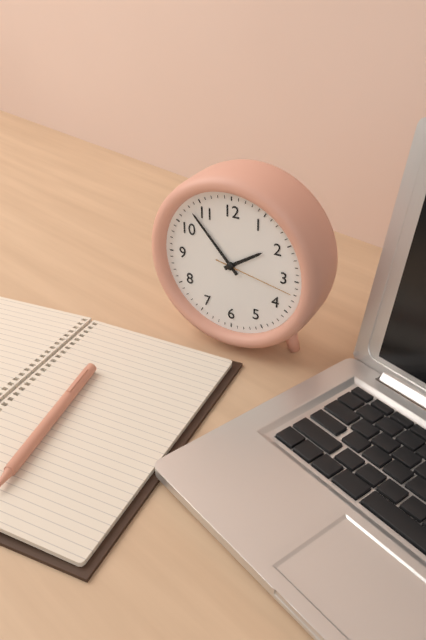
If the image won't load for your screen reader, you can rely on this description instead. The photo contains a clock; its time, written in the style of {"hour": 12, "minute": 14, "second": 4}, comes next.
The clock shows {"hour": 1, "minute": 53, "second": 17}
